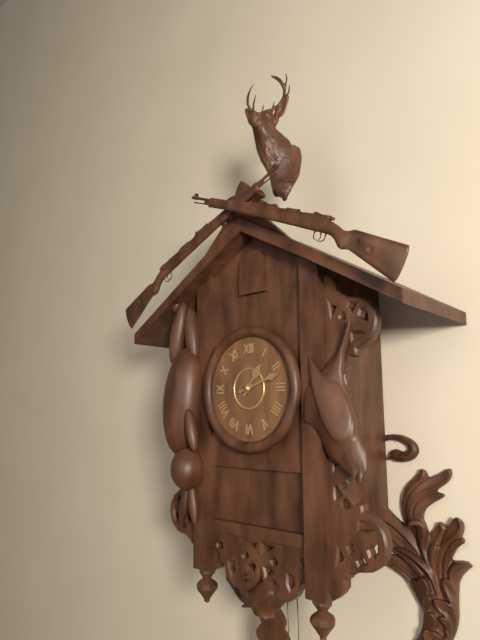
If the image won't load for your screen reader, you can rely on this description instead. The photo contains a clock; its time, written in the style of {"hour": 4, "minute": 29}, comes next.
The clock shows {"hour": 1, "minute": 12}
